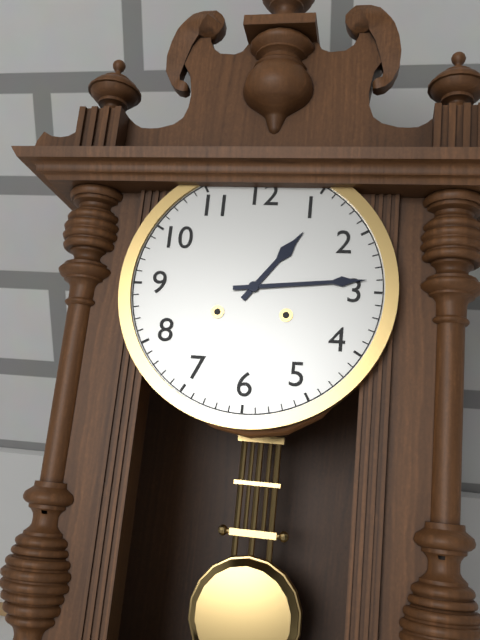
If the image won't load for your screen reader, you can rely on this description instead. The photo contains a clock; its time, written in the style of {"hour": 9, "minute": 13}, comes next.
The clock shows {"hour": 1, "minute": 14}
